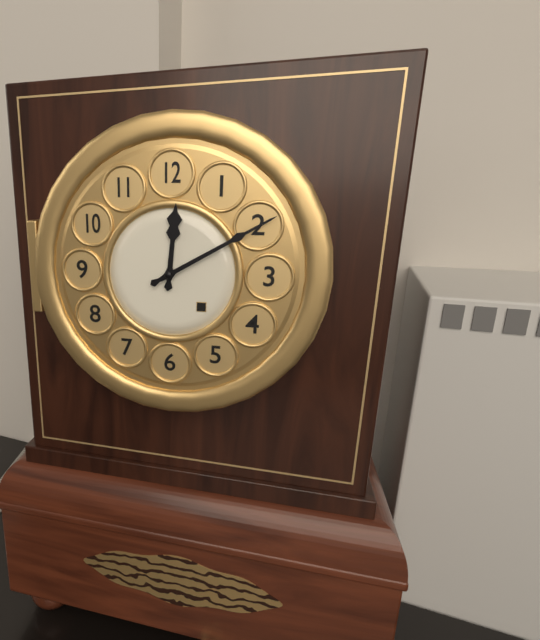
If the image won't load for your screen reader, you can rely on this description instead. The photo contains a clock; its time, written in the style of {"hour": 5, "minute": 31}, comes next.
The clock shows {"hour": 12, "minute": 10}
